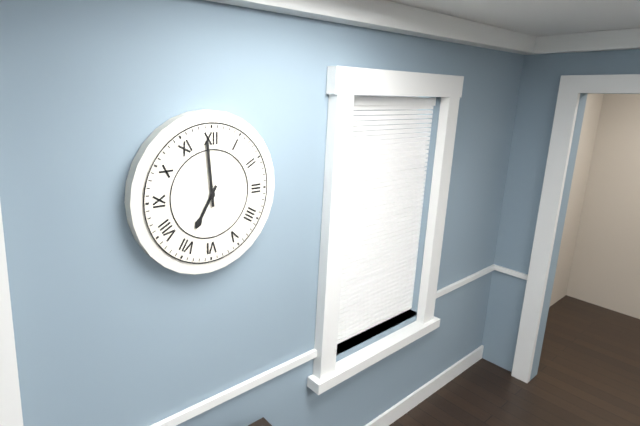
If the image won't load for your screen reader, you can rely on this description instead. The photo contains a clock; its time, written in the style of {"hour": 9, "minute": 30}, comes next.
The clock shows {"hour": 6, "minute": 59}
